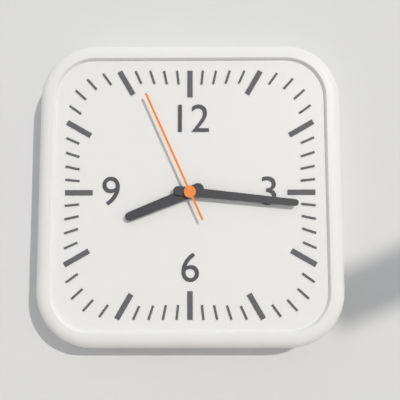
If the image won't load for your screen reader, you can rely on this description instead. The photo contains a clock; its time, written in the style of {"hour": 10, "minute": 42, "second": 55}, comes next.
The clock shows {"hour": 8, "minute": 16, "second": 56}
